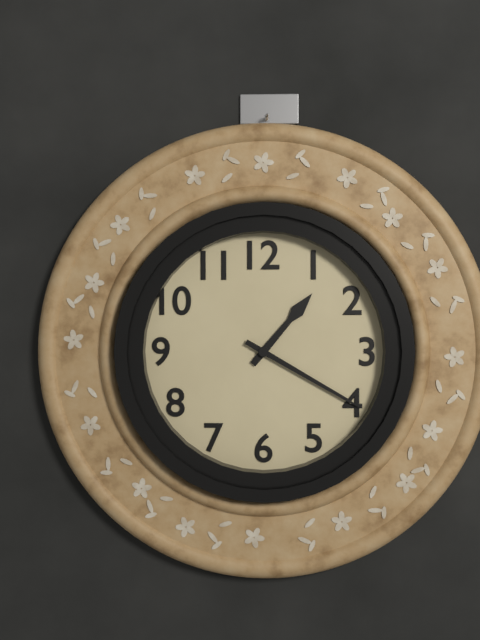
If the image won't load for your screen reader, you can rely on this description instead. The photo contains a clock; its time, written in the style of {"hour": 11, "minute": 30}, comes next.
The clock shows {"hour": 1, "minute": 20}
